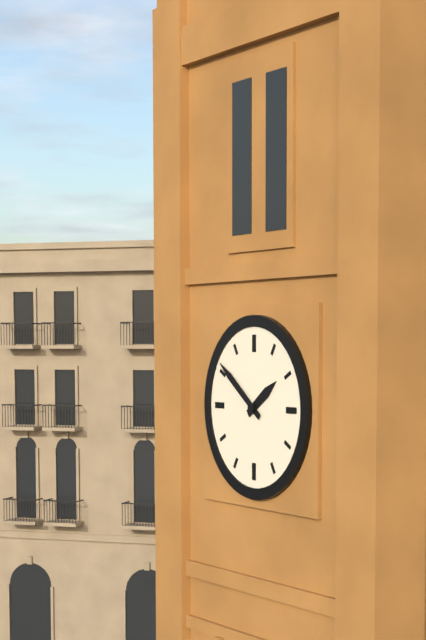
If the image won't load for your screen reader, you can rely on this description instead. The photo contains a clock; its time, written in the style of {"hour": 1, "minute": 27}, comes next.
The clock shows {"hour": 1, "minute": 51}
